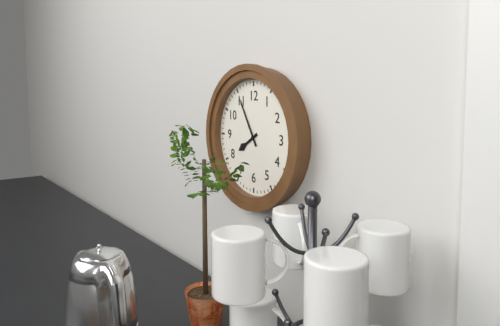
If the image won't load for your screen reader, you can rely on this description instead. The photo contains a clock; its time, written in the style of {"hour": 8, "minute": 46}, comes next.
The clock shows {"hour": 7, "minute": 55}
